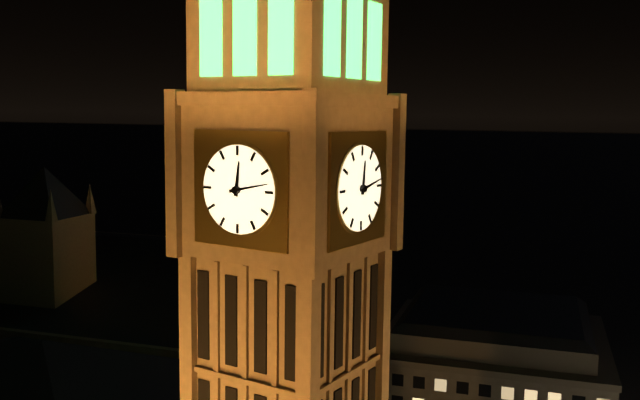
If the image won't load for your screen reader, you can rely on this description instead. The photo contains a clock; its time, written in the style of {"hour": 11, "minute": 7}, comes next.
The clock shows {"hour": 12, "minute": 13}
